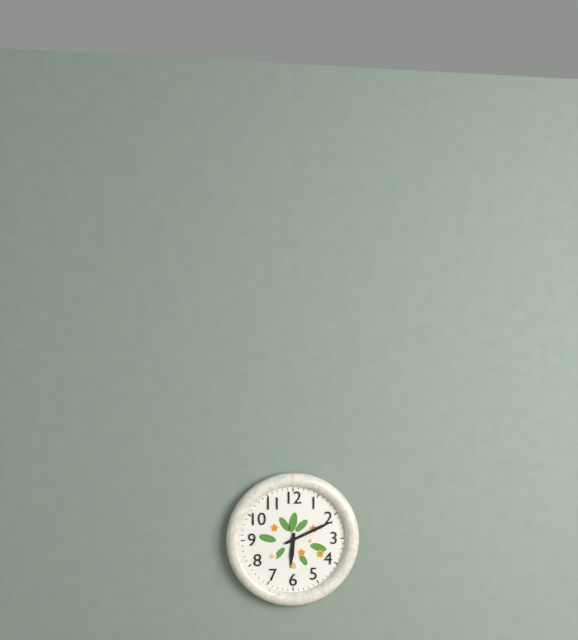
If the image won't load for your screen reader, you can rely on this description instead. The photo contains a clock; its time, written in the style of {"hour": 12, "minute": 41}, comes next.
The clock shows {"hour": 6, "minute": 11}
